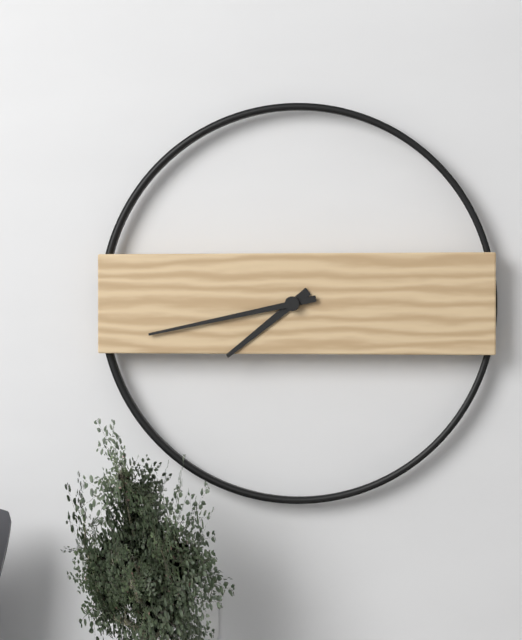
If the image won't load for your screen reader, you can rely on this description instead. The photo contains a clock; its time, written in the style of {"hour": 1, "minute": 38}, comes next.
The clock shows {"hour": 7, "minute": 43}
